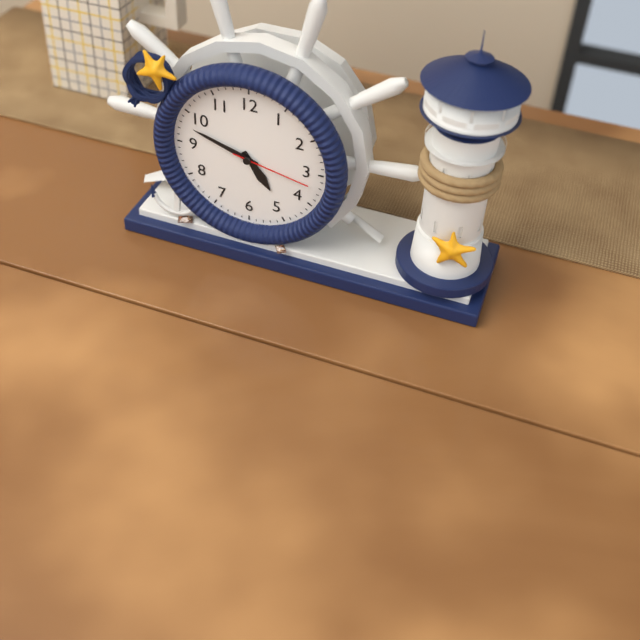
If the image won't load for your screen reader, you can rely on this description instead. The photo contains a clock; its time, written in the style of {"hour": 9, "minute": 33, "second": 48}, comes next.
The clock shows {"hour": 4, "minute": 48, "second": 17}
